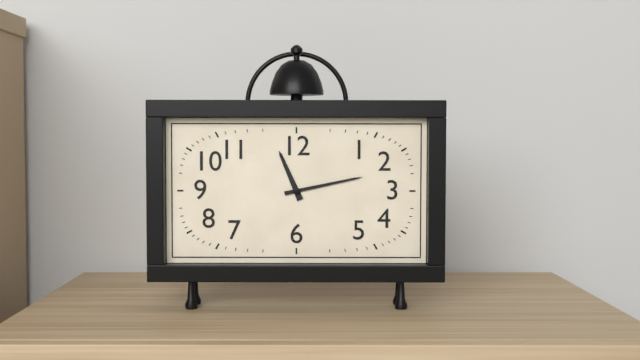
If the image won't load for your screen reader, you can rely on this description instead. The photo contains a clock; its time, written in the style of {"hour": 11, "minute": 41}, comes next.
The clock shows {"hour": 11, "minute": 13}
